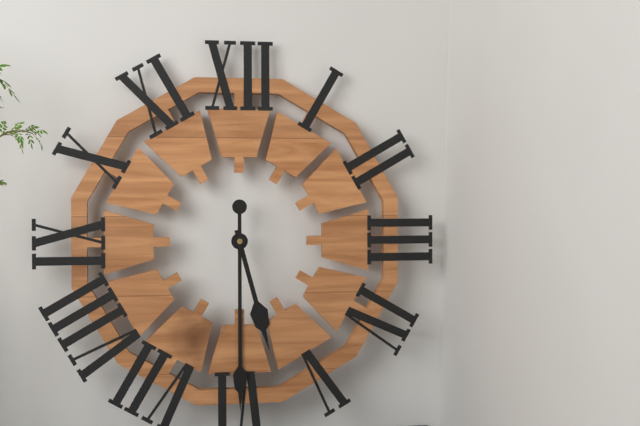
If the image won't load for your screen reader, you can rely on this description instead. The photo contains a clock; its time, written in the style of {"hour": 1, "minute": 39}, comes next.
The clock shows {"hour": 5, "minute": 30}
